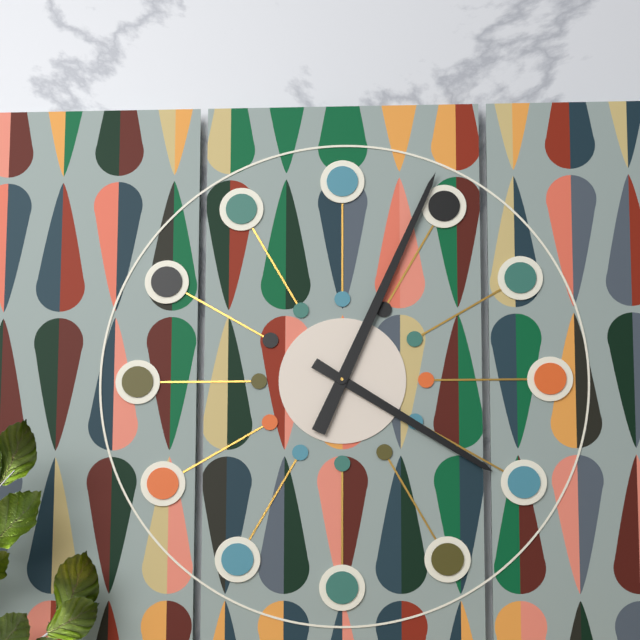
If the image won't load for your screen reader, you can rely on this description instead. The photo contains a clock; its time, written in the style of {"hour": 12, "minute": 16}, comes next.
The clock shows {"hour": 4, "minute": 4}
